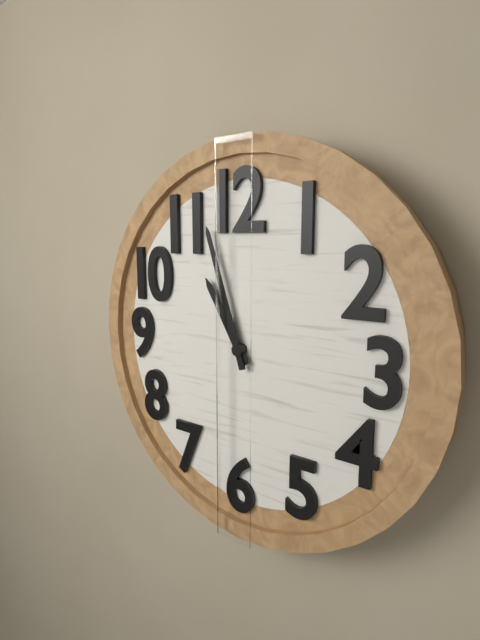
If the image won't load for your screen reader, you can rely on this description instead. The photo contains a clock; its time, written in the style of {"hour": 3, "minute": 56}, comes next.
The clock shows {"hour": 10, "minute": 57}
